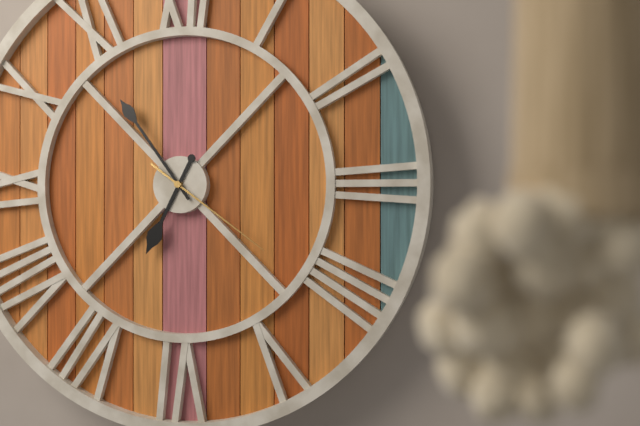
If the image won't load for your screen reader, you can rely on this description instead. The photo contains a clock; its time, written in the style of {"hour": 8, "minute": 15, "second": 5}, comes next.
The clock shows {"hour": 6, "minute": 54, "second": 21}
